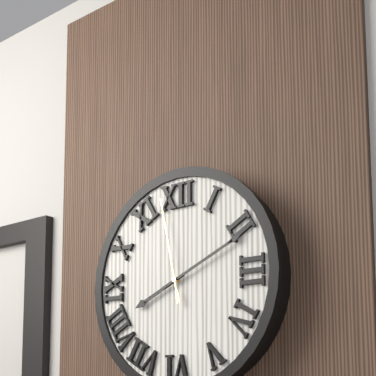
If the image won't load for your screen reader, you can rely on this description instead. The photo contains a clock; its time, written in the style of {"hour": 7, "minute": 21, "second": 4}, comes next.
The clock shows {"hour": 8, "minute": 11, "second": 58}
